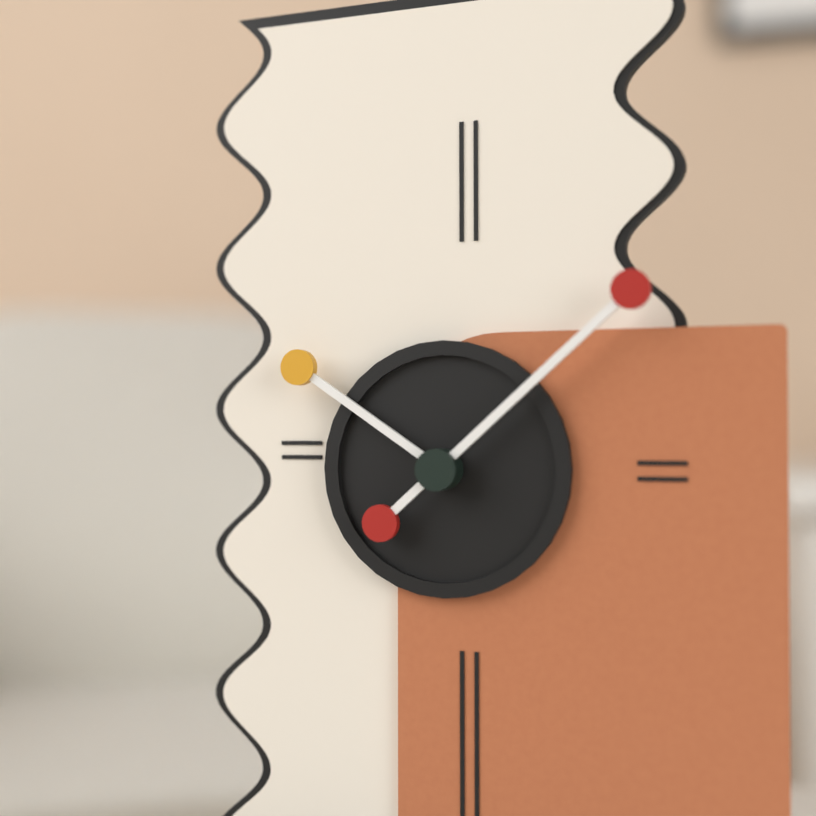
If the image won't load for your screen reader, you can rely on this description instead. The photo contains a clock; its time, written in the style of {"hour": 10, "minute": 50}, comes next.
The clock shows {"hour": 10, "minute": 8}
